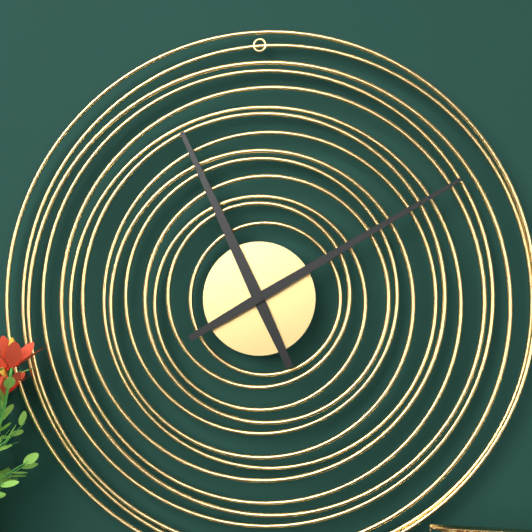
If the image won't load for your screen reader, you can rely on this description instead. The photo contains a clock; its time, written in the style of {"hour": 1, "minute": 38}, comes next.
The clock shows {"hour": 11, "minute": 10}
